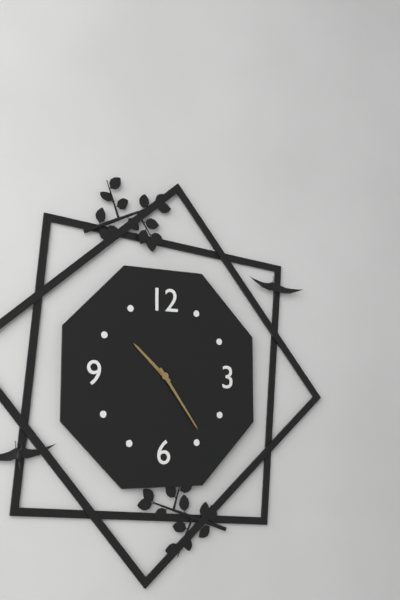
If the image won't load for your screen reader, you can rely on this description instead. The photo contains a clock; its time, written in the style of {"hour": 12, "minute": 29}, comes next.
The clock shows {"hour": 10, "minute": 24}
